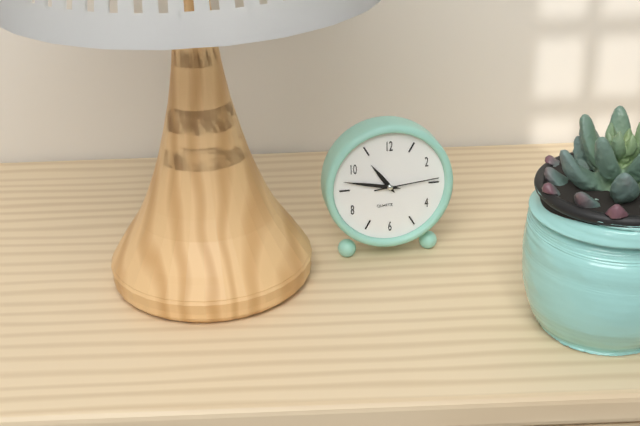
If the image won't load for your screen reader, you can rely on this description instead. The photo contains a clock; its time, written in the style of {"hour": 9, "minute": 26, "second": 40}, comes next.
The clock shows {"hour": 10, "minute": 47, "second": 14}
